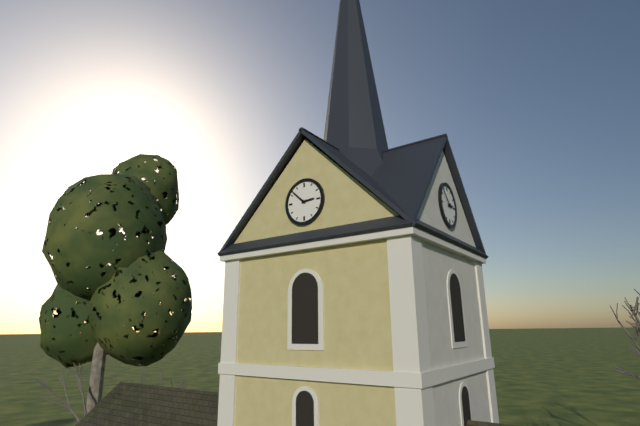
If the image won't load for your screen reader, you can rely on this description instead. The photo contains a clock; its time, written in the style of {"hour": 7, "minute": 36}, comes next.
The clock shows {"hour": 2, "minute": 52}
